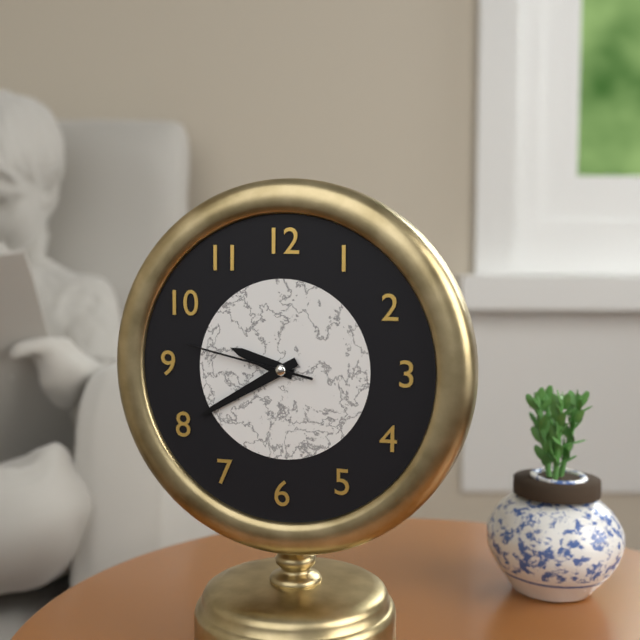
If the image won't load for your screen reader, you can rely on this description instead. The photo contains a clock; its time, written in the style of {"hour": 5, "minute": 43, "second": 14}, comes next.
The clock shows {"hour": 9, "minute": 40, "second": 47}
